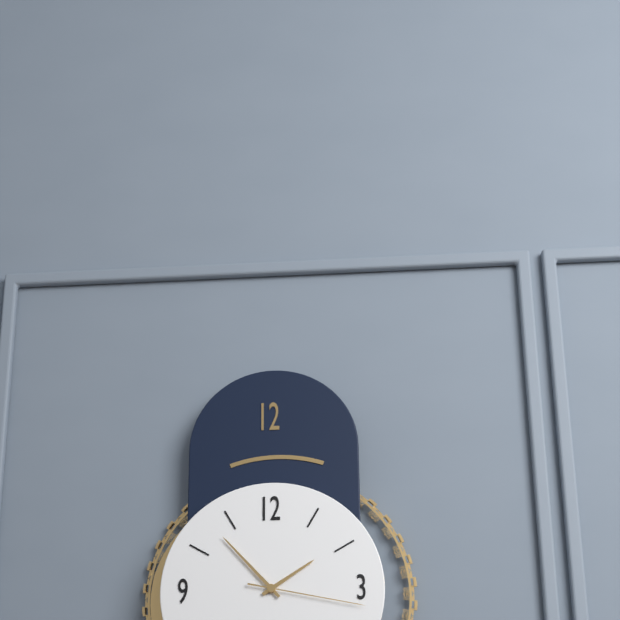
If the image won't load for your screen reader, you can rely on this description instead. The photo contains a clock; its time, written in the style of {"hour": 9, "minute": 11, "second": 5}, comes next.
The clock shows {"hour": 1, "minute": 53, "second": 17}
